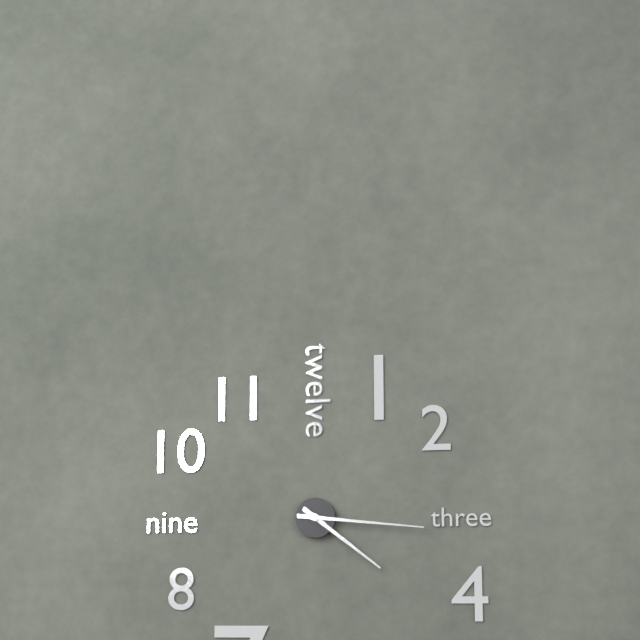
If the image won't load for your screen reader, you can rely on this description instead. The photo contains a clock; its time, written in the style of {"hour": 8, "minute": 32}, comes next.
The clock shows {"hour": 4, "minute": 16}
